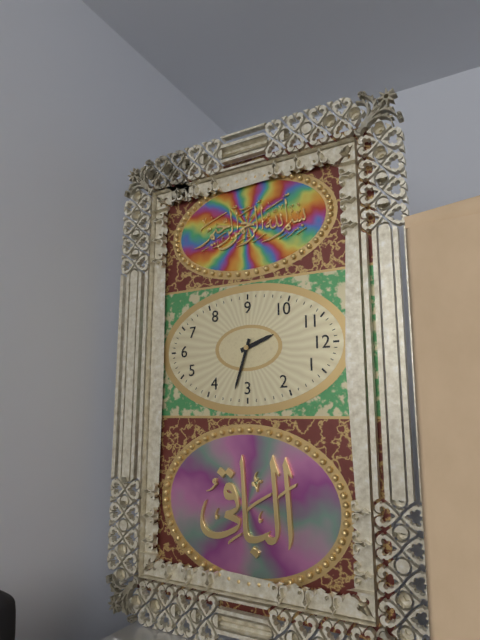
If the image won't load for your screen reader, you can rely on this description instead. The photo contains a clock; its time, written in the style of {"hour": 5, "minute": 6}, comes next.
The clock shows {"hour": 11, "minute": 18}
